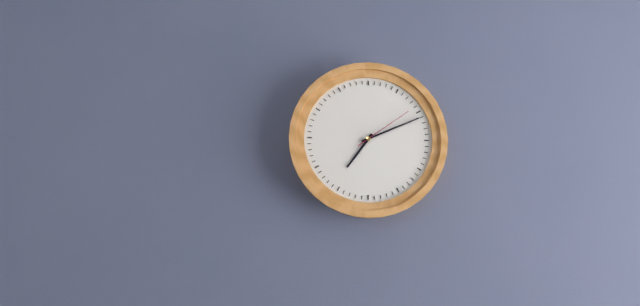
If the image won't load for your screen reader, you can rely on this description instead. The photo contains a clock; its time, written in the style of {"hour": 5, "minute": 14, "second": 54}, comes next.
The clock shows {"hour": 7, "minute": 11, "second": 9}
